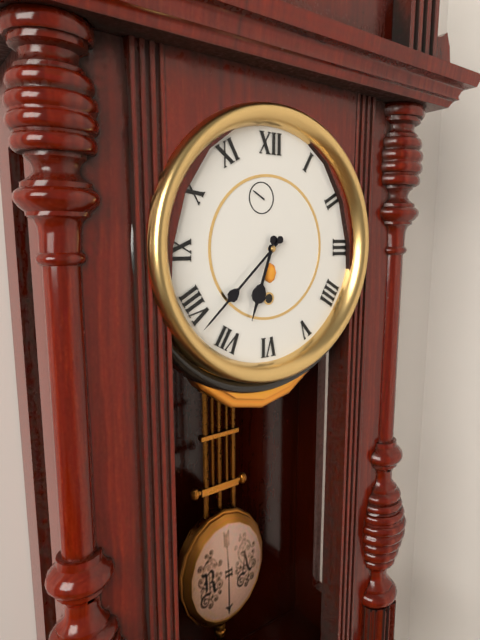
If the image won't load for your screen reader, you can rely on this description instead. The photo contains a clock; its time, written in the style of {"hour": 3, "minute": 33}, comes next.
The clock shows {"hour": 6, "minute": 38}
